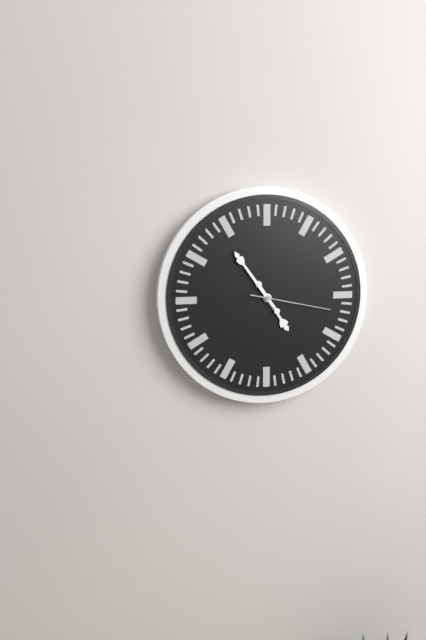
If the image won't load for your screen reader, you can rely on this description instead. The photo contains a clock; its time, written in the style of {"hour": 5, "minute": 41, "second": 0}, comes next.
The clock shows {"hour": 4, "minute": 54, "second": 17}
